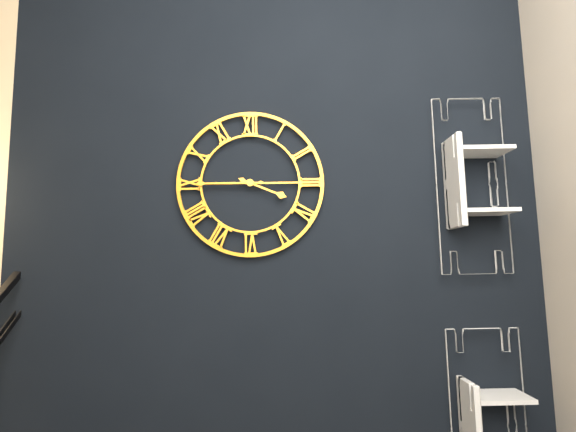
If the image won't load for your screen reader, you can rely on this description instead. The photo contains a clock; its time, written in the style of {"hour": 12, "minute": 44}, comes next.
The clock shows {"hour": 3, "minute": 45}
